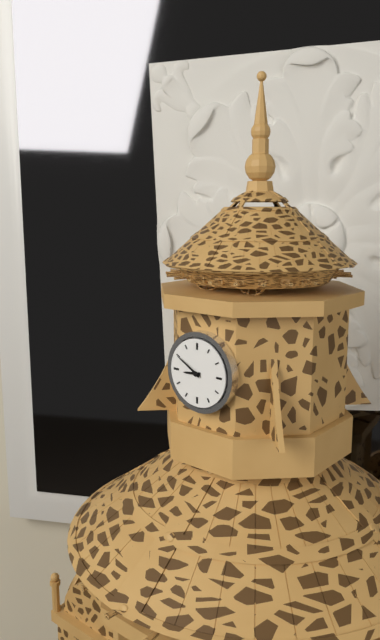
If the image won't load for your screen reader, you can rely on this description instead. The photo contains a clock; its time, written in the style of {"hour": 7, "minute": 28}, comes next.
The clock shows {"hour": 8, "minute": 50}
